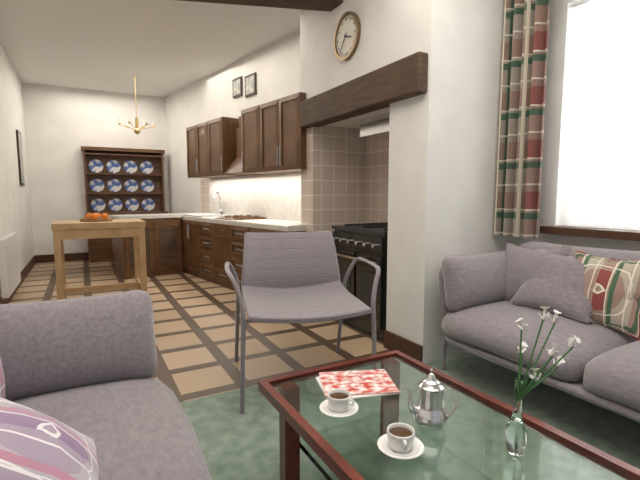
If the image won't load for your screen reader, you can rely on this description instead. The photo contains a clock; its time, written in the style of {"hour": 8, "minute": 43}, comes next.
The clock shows {"hour": 3, "minute": 36}
